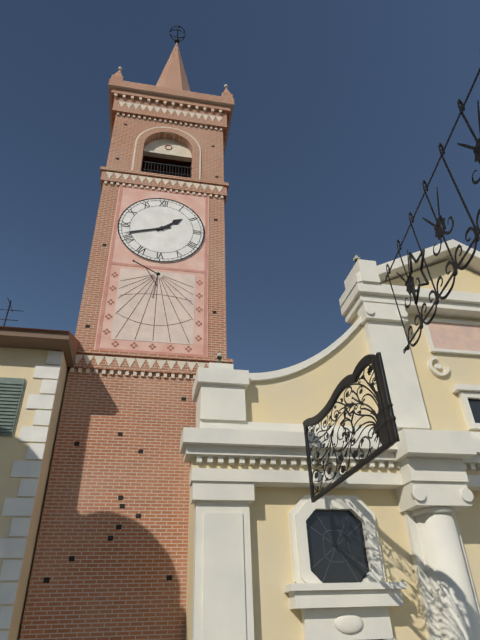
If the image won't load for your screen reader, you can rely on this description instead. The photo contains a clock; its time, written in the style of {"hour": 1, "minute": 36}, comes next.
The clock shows {"hour": 1, "minute": 42}
